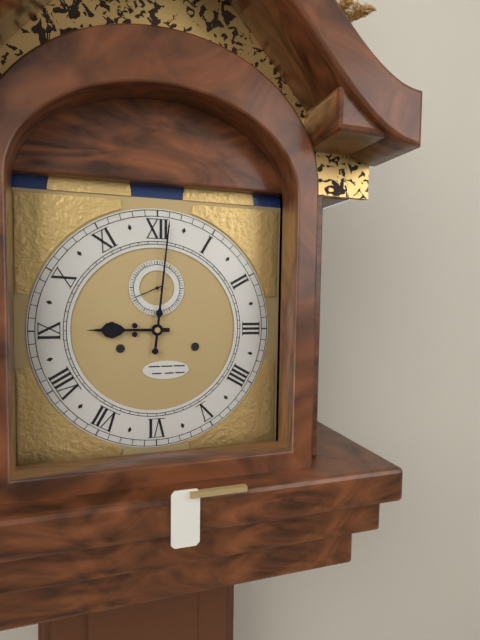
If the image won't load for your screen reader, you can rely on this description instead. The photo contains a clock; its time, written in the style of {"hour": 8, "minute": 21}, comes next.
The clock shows {"hour": 9, "minute": 1}
